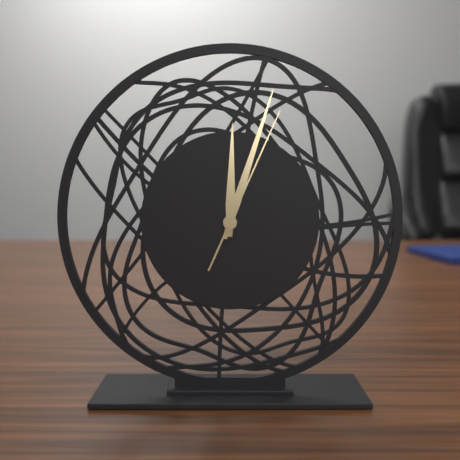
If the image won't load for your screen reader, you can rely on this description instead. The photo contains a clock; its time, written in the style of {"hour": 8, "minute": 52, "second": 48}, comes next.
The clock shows {"hour": 12, "minute": 3, "second": 4}
